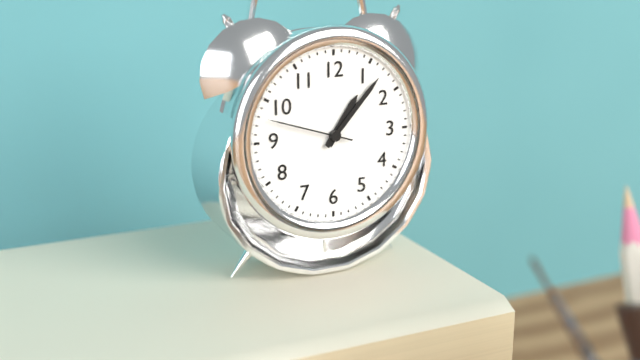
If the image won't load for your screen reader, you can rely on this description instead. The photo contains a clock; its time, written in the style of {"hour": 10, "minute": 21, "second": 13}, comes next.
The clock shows {"hour": 1, "minute": 7, "second": 48}
